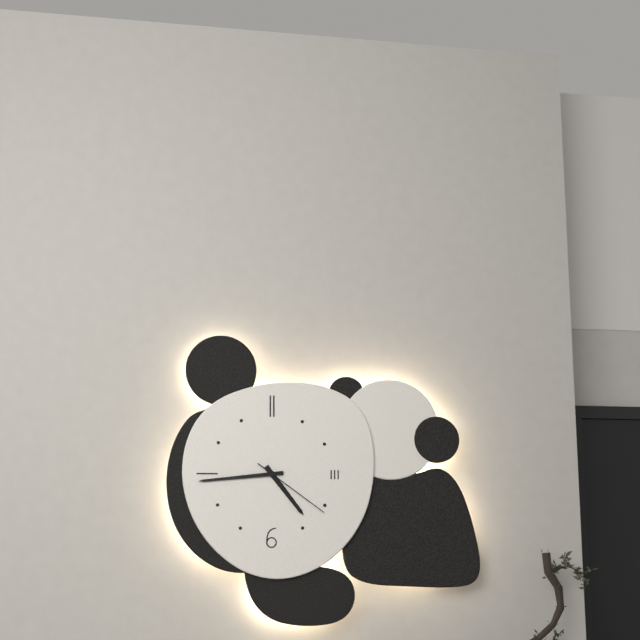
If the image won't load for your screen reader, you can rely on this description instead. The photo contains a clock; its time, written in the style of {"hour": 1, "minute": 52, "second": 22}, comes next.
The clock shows {"hour": 4, "minute": 44, "second": 21}
